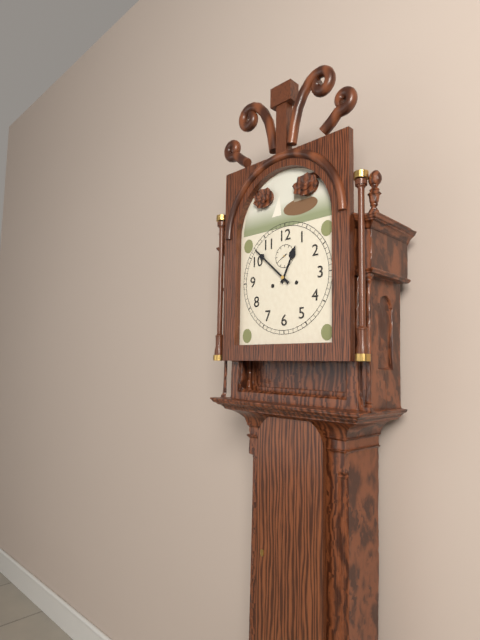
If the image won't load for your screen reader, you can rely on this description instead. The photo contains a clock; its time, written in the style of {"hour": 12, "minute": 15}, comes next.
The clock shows {"hour": 12, "minute": 52}
